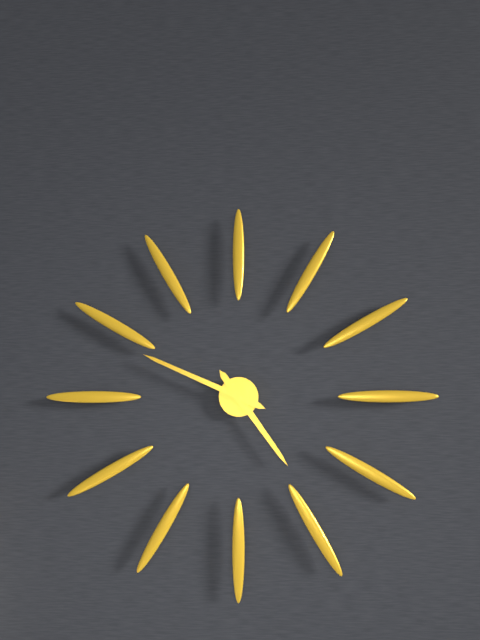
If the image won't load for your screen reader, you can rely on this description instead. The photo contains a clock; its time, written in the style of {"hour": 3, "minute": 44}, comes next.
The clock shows {"hour": 4, "minute": 49}
